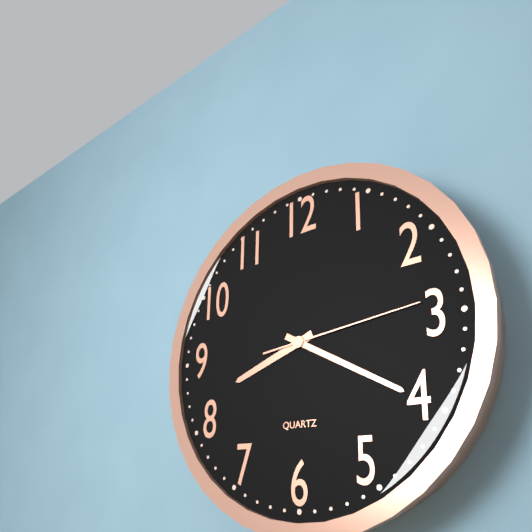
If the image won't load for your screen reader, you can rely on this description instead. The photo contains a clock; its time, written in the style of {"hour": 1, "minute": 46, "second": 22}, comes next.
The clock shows {"hour": 8, "minute": 20, "second": 14}
